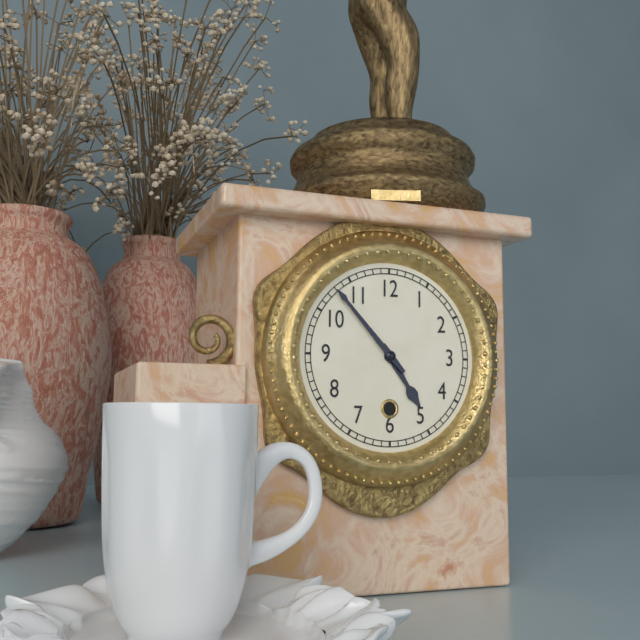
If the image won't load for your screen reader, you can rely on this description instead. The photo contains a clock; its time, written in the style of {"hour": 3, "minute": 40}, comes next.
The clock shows {"hour": 4, "minute": 53}
